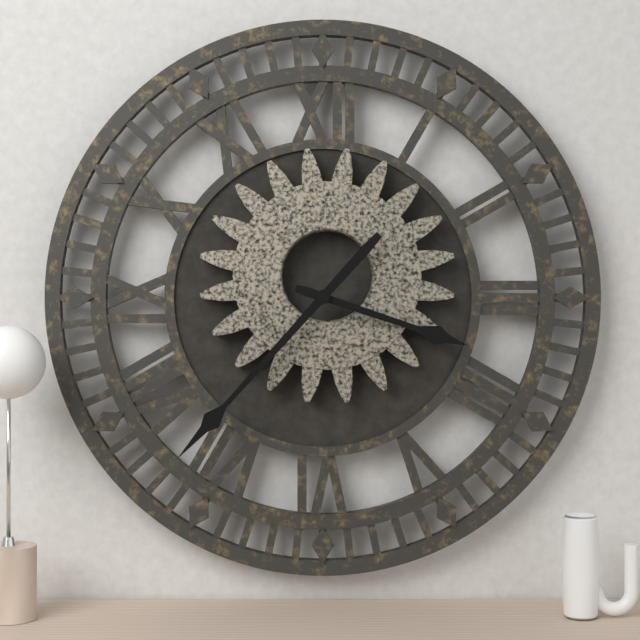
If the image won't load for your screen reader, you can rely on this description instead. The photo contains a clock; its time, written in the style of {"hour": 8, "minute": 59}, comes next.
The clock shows {"hour": 3, "minute": 37}
